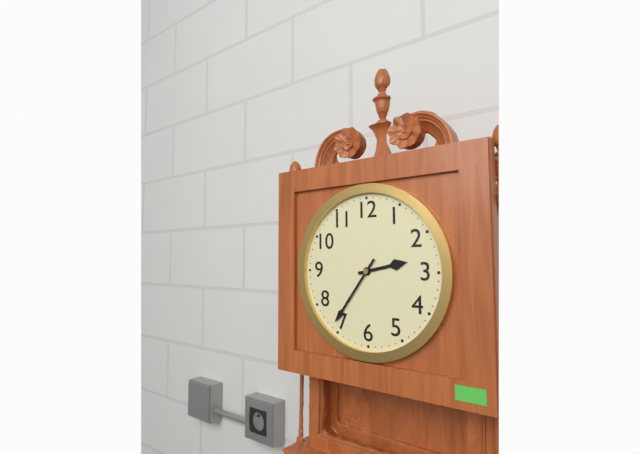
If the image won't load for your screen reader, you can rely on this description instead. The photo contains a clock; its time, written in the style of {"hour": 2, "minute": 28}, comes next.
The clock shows {"hour": 2, "minute": 36}
